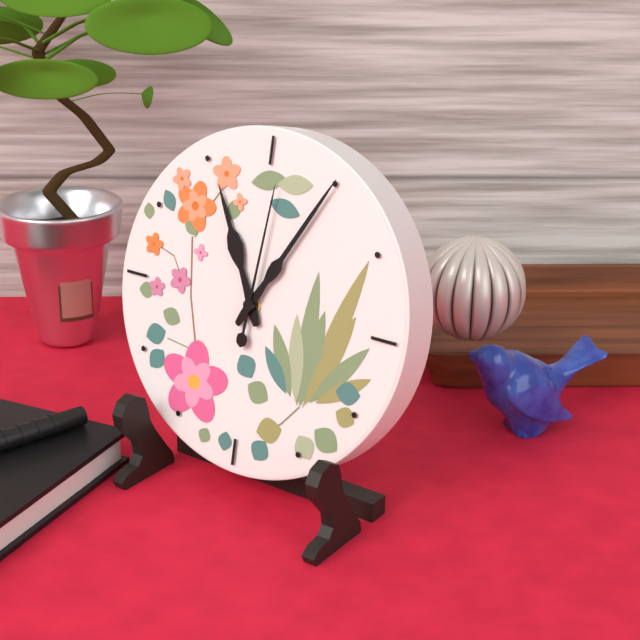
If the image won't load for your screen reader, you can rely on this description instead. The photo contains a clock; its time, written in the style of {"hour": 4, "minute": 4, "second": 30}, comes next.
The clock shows {"hour": 11, "minute": 5, "second": 1}
